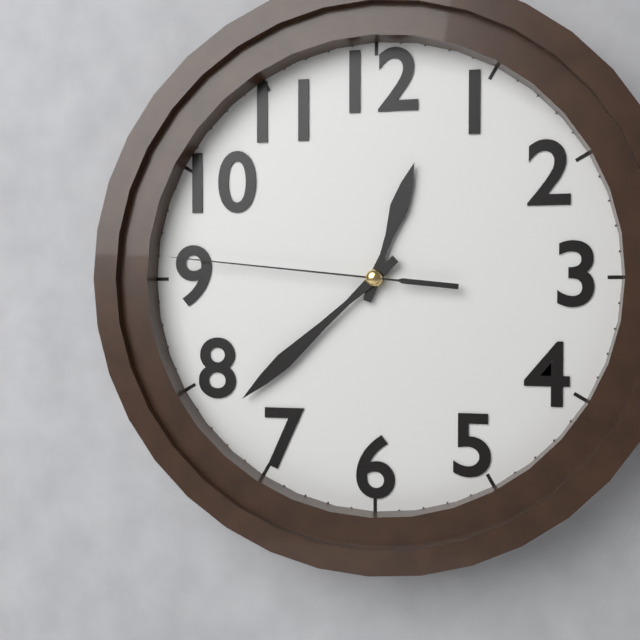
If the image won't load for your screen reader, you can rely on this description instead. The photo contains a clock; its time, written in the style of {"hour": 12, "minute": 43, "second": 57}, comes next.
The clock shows {"hour": 12, "minute": 38, "second": 46}
